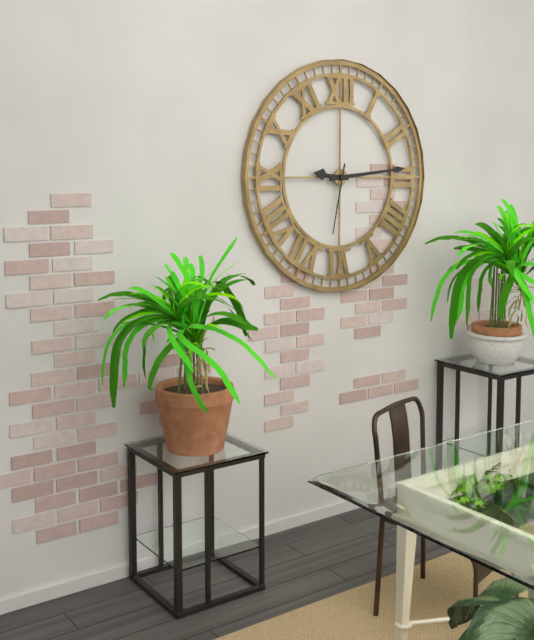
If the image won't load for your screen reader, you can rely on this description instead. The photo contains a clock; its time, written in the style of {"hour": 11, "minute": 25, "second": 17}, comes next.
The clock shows {"hour": 9, "minute": 14, "second": 32}
